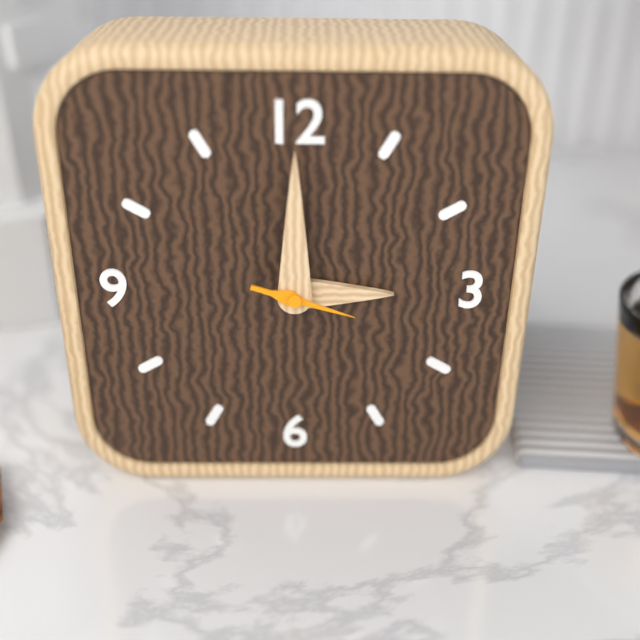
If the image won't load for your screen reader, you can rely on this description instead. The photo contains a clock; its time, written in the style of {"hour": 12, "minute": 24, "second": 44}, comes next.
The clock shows {"hour": 3, "minute": 0, "second": 18}
